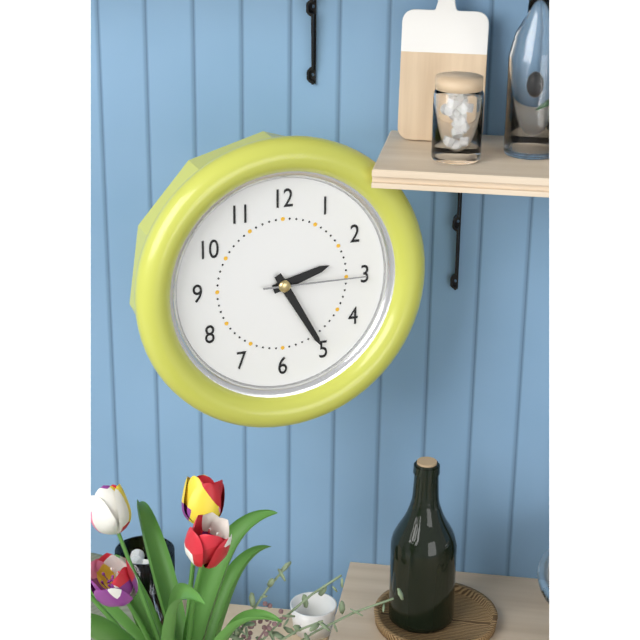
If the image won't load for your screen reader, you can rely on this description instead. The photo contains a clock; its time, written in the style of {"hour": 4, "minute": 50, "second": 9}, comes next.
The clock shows {"hour": 2, "minute": 25, "second": 15}
